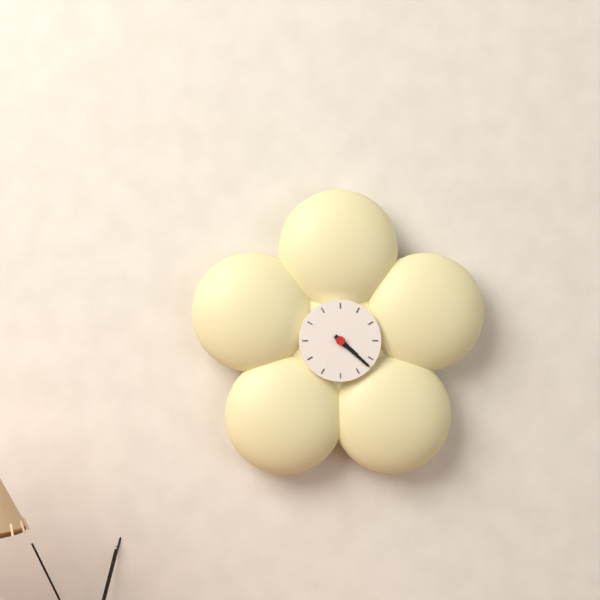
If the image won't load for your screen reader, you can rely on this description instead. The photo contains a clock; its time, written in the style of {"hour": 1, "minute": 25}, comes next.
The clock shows {"hour": 4, "minute": 22}
